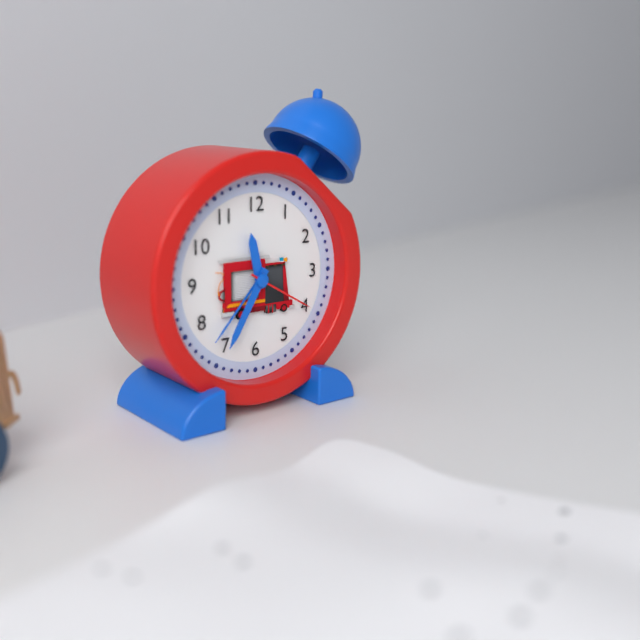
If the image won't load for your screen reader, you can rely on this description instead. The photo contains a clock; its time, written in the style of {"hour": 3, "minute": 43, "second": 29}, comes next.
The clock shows {"hour": 11, "minute": 35, "second": 20}
